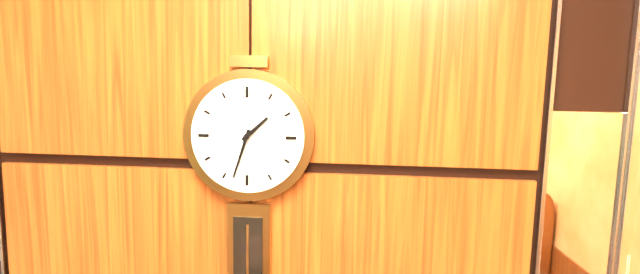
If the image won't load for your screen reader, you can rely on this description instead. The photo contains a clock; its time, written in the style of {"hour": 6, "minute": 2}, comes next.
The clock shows {"hour": 1, "minute": 33}
